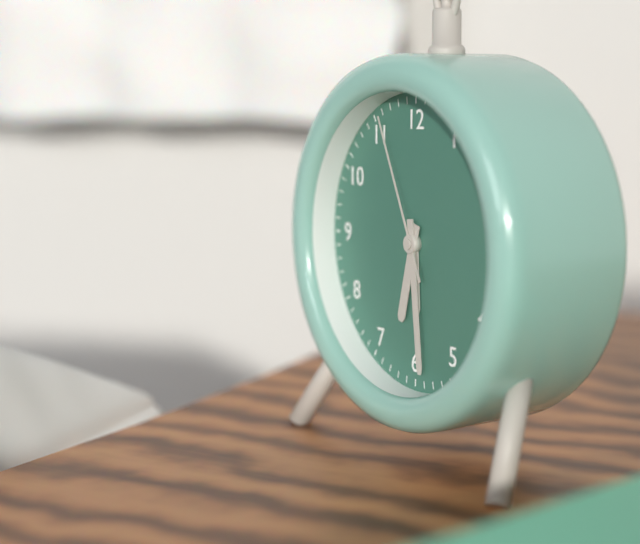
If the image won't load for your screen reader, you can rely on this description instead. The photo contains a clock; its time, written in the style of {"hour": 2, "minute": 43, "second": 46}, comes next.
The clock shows {"hour": 6, "minute": 29, "second": 56}
